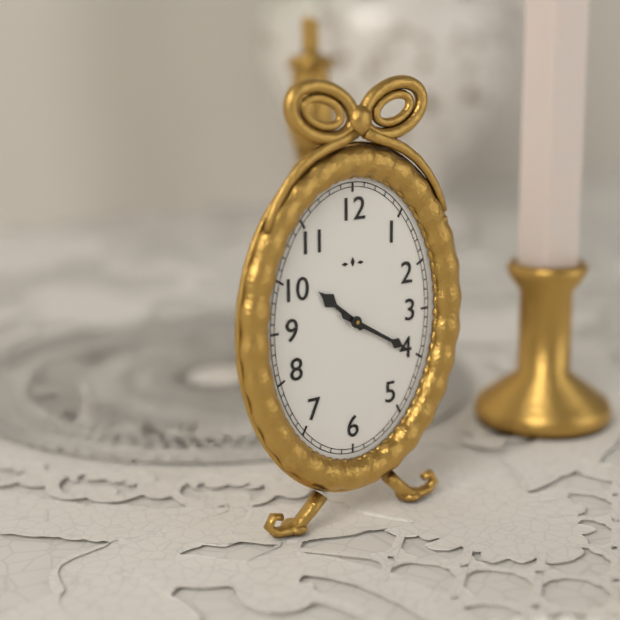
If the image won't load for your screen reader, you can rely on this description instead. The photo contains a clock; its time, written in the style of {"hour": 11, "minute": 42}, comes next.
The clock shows {"hour": 10, "minute": 20}
